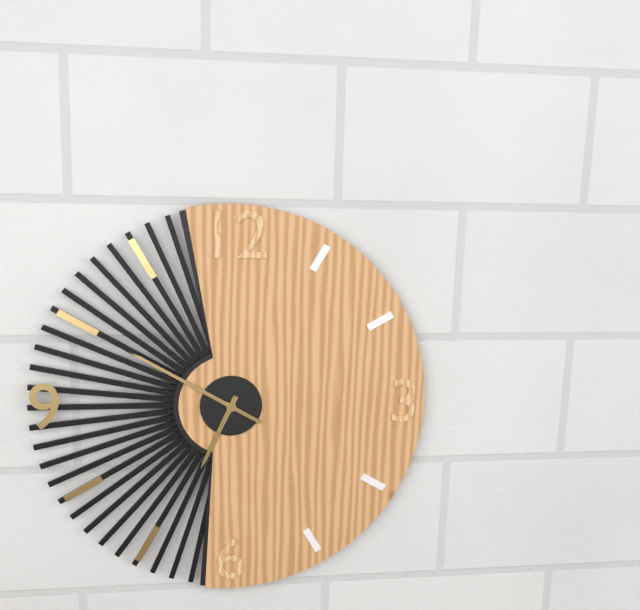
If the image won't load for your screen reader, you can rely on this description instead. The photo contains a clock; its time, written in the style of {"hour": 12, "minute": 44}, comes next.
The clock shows {"hour": 6, "minute": 50}
